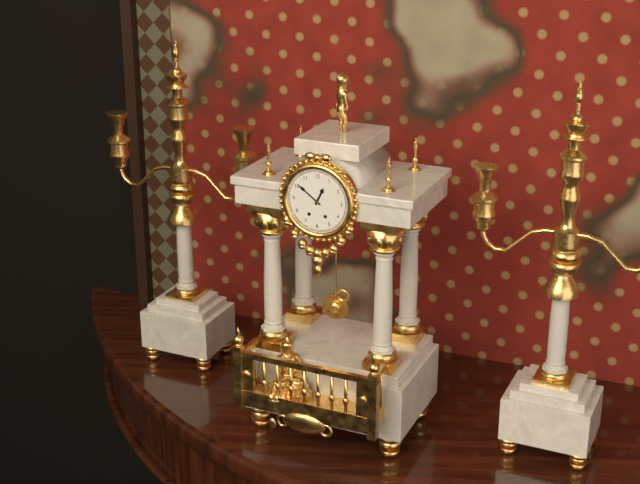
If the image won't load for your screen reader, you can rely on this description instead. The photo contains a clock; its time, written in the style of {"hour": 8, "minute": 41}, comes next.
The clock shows {"hour": 12, "minute": 51}
